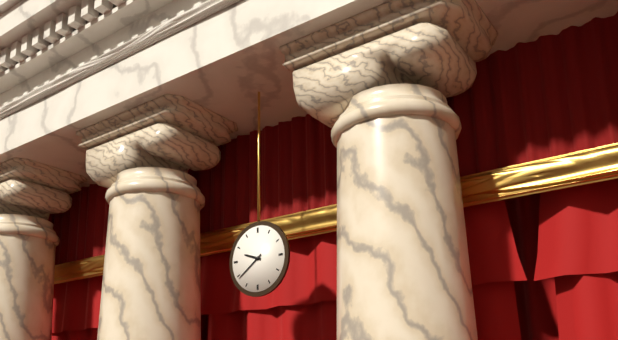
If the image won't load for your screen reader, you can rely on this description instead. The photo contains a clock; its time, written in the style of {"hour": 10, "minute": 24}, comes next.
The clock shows {"hour": 9, "minute": 39}
